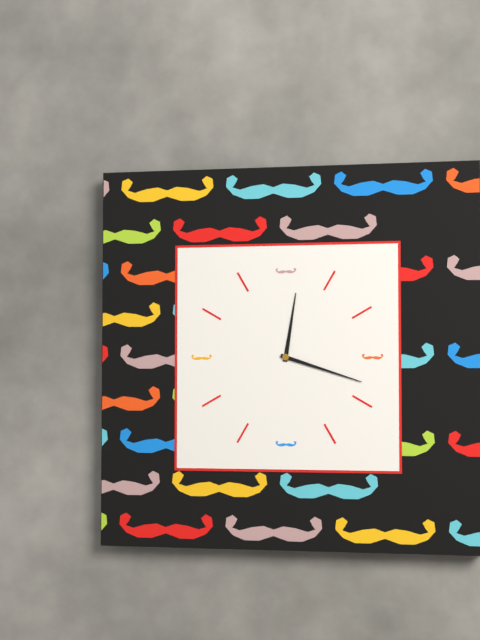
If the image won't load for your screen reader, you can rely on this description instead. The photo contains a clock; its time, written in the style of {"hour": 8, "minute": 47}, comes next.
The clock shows {"hour": 12, "minute": 18}
